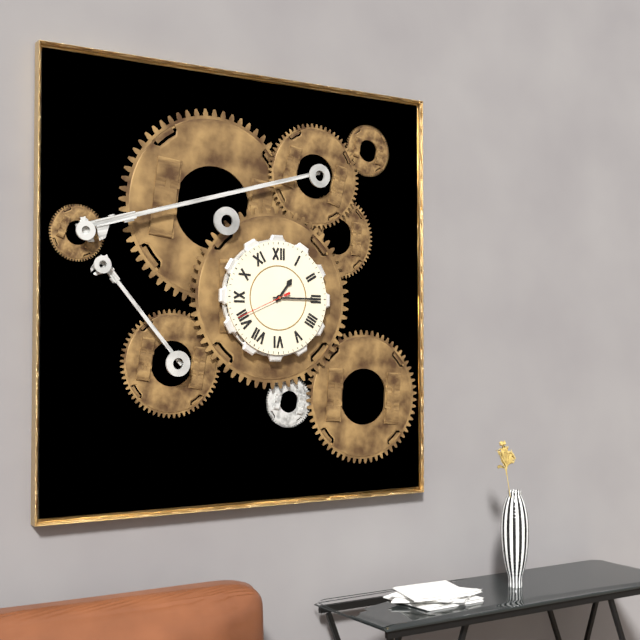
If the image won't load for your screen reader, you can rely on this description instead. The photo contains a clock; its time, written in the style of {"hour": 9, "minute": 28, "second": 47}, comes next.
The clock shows {"hour": 1, "minute": 15, "second": 41}
